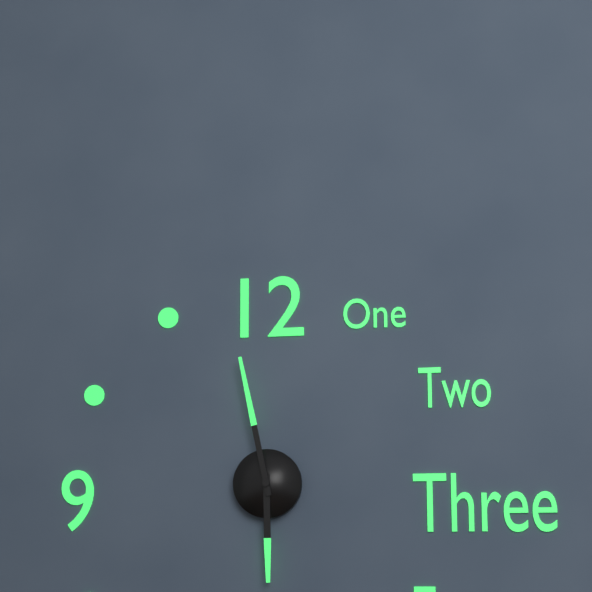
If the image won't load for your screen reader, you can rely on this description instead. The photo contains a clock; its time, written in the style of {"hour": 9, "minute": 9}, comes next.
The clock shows {"hour": 5, "minute": 58}
